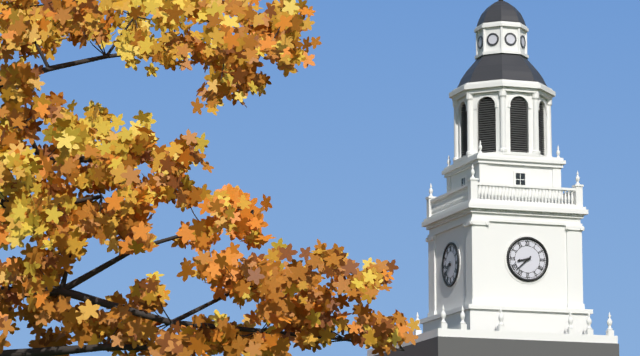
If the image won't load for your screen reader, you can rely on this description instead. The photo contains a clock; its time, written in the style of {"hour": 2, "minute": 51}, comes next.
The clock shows {"hour": 8, "minute": 38}
